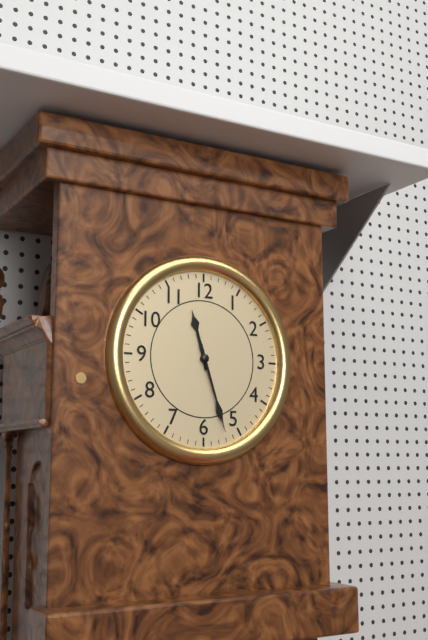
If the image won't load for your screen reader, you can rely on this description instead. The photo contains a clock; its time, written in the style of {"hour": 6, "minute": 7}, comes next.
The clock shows {"hour": 11, "minute": 27}
